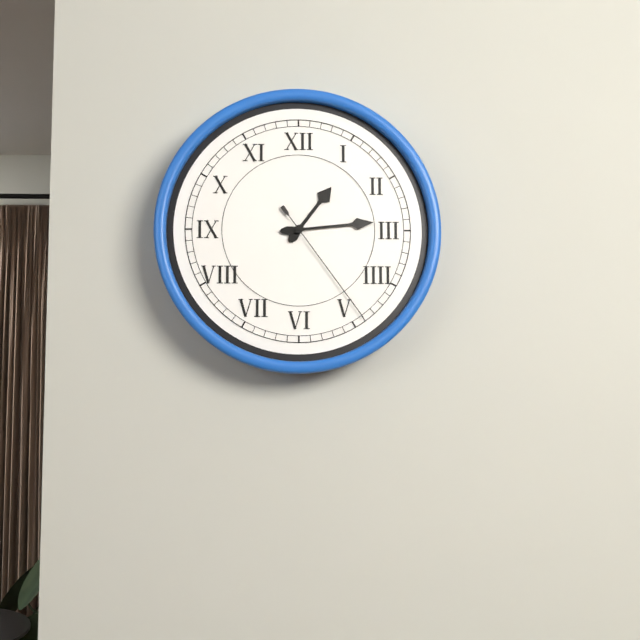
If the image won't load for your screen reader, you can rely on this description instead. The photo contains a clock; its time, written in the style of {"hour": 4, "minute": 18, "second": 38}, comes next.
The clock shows {"hour": 1, "minute": 14, "second": 24}
